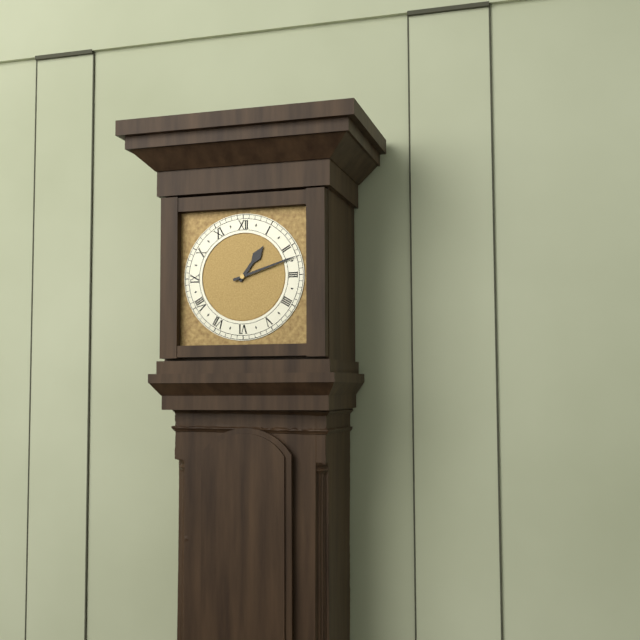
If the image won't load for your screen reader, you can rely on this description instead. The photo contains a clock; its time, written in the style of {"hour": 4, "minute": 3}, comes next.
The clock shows {"hour": 1, "minute": 12}
